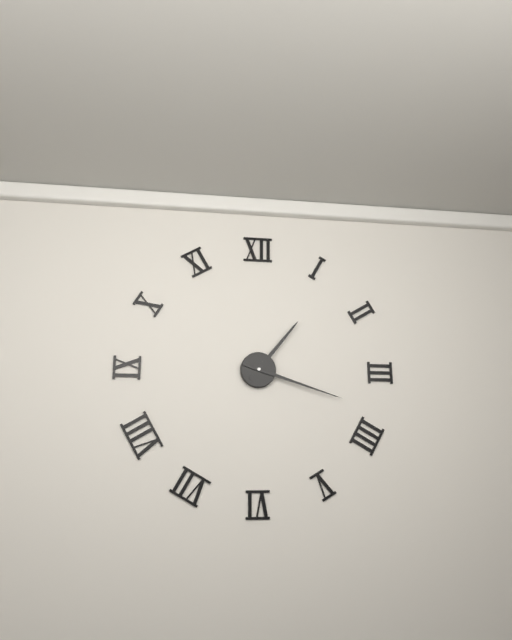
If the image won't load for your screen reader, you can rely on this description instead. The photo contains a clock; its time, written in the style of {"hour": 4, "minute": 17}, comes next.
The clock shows {"hour": 1, "minute": 18}
